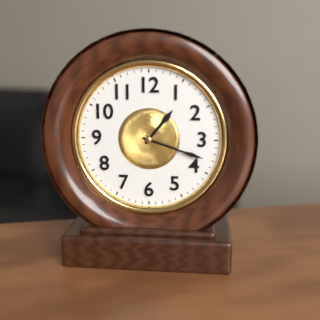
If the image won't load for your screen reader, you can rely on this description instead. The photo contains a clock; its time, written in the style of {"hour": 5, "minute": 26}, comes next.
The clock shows {"hour": 1, "minute": 18}
